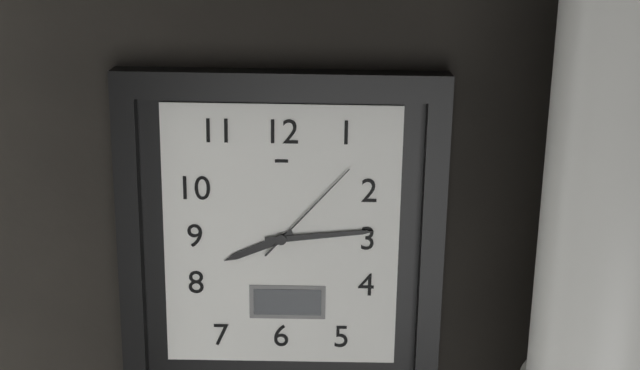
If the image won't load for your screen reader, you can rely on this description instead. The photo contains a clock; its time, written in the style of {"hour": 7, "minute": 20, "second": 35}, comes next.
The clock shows {"hour": 8, "minute": 14, "second": 7}
